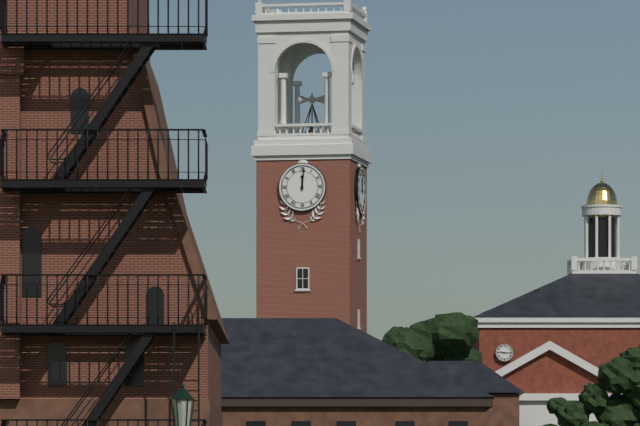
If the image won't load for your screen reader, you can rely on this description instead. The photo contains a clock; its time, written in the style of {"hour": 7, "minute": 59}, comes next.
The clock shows {"hour": 12, "minute": 1}
